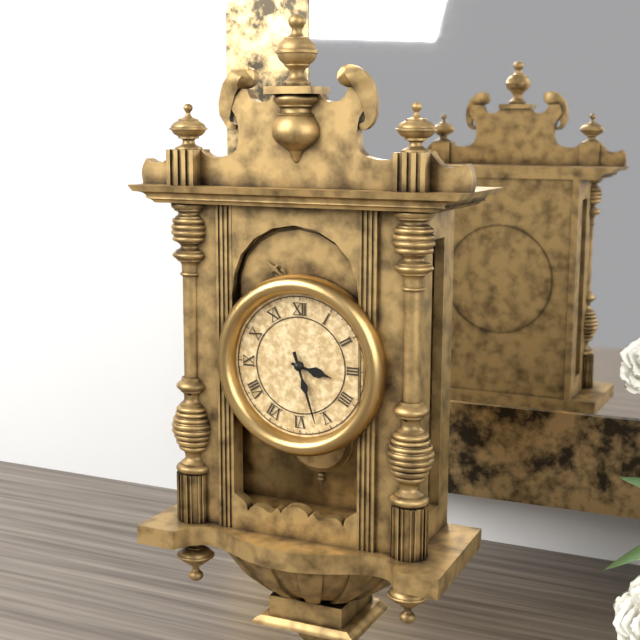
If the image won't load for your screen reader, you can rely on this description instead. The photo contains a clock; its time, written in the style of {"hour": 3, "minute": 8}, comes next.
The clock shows {"hour": 3, "minute": 27}
